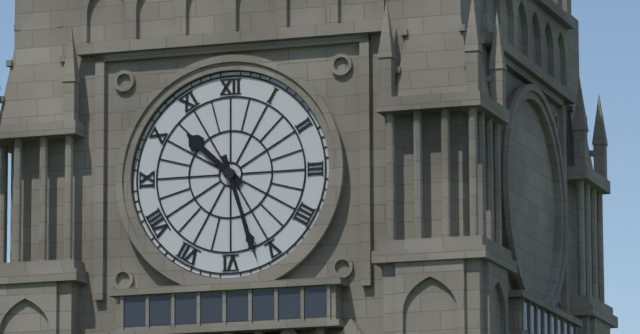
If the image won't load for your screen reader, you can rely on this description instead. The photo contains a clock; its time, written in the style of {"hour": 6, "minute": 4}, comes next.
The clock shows {"hour": 10, "minute": 27}
